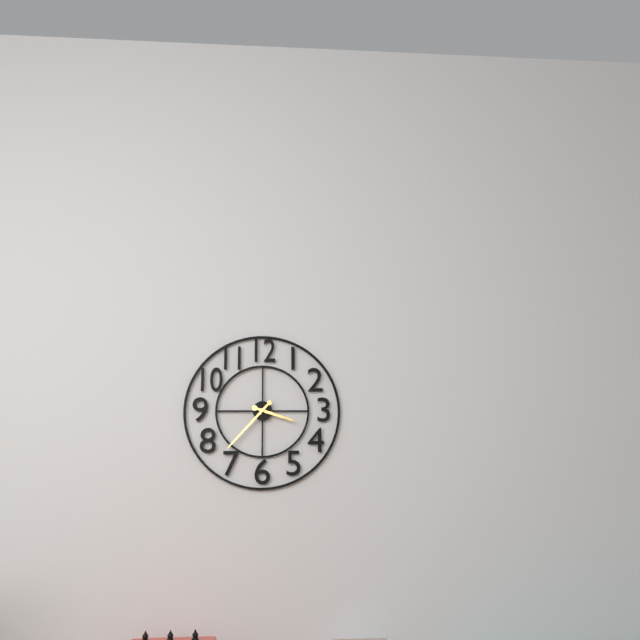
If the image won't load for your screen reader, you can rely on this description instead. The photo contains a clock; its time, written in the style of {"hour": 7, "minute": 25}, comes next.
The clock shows {"hour": 3, "minute": 37}
